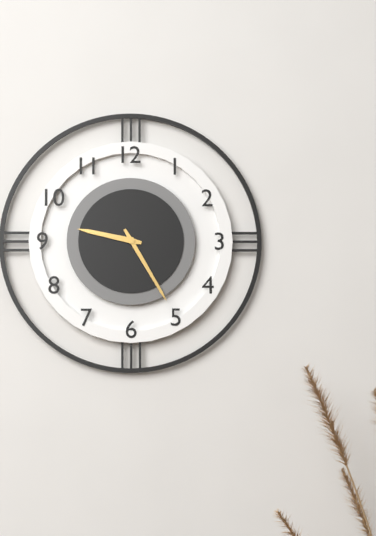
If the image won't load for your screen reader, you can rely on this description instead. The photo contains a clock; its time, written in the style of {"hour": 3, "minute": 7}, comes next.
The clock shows {"hour": 9, "minute": 25}
